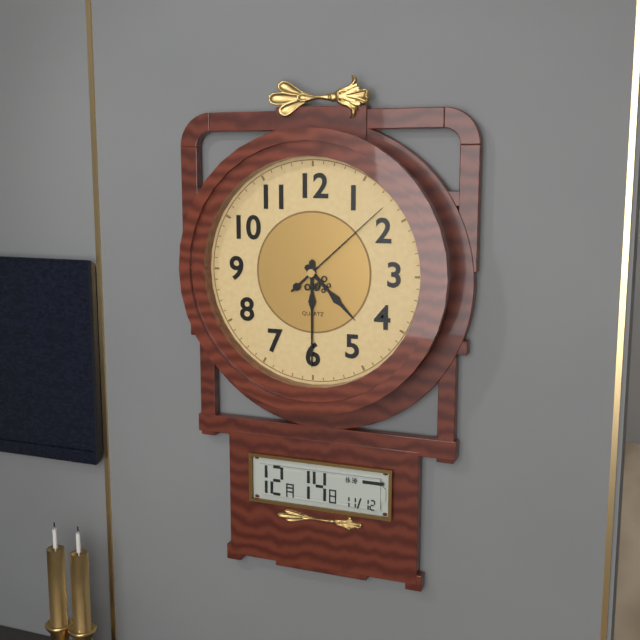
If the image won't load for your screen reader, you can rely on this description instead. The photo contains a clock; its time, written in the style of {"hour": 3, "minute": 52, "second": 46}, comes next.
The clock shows {"hour": 4, "minute": 30, "second": 8}
